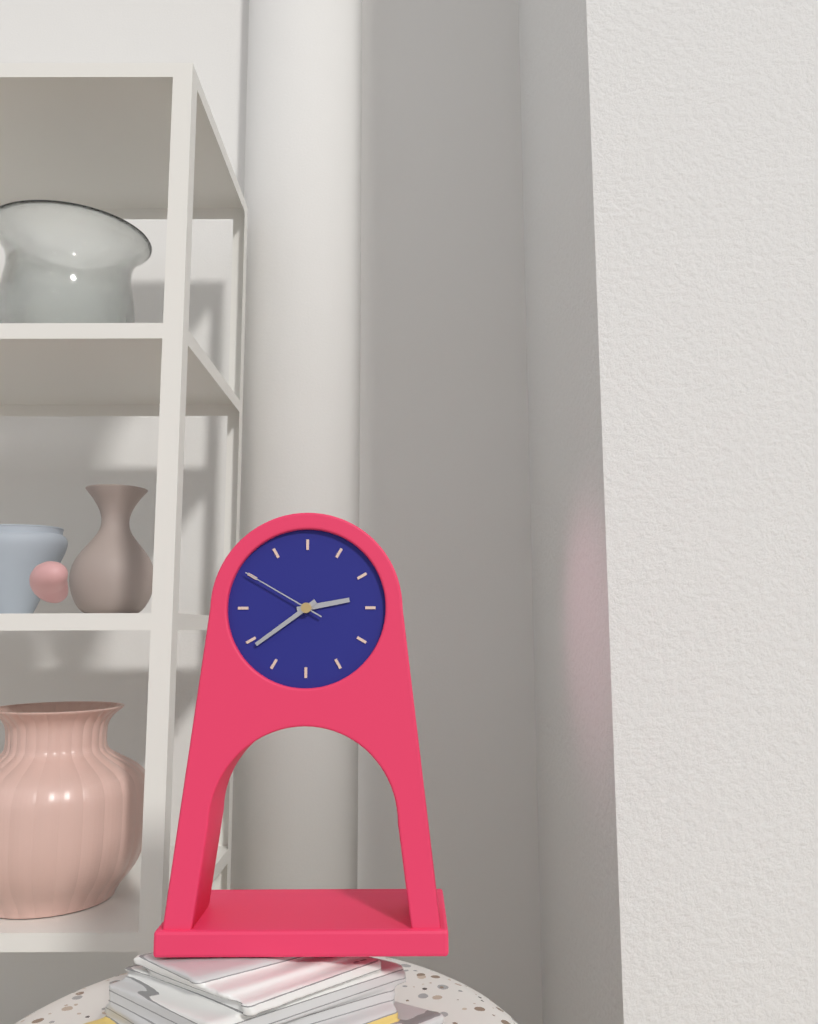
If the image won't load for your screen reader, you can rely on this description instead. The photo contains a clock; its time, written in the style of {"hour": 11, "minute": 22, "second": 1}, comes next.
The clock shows {"hour": 2, "minute": 39, "second": 50}
